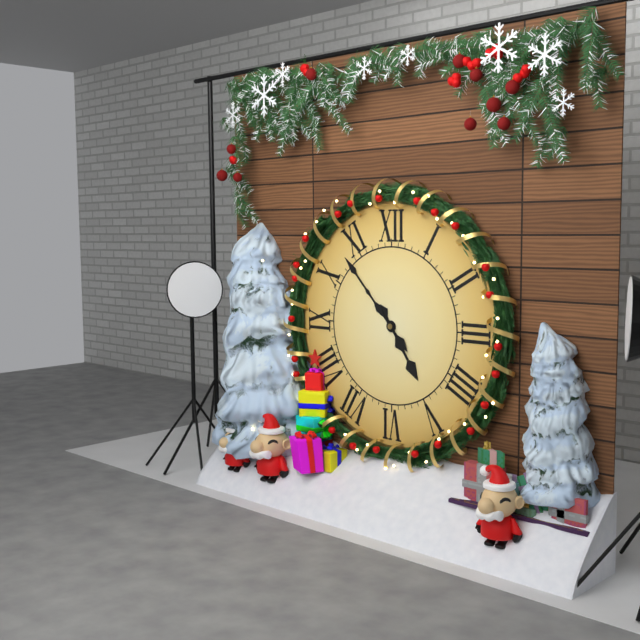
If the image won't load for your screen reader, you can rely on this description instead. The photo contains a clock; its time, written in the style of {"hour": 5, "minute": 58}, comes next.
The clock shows {"hour": 4, "minute": 53}
